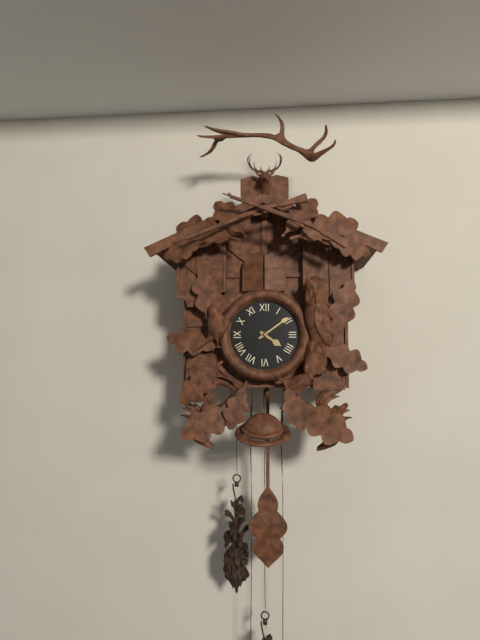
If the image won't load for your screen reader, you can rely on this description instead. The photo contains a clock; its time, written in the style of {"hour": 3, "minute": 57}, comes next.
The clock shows {"hour": 4, "minute": 9}
